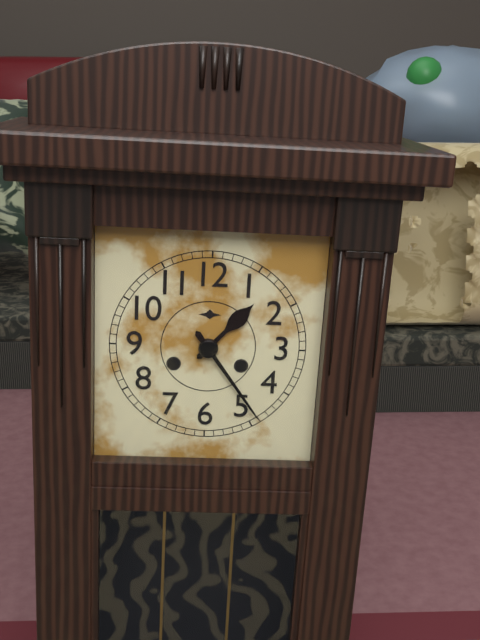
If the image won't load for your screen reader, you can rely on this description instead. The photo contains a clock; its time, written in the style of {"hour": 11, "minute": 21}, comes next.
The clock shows {"hour": 1, "minute": 24}
